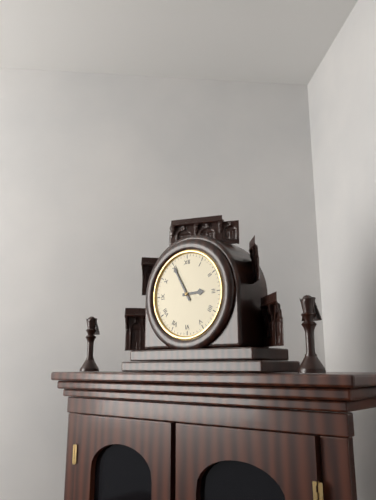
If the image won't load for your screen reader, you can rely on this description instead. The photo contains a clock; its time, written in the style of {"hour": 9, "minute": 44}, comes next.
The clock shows {"hour": 2, "minute": 55}
